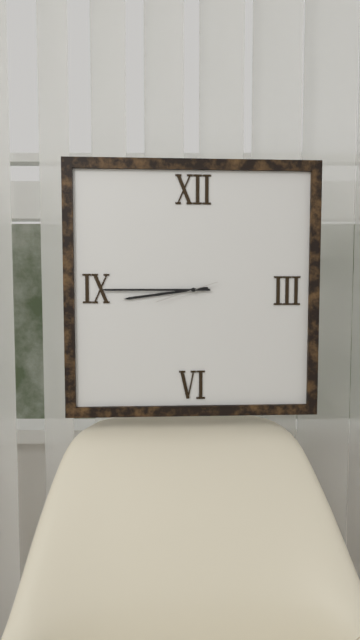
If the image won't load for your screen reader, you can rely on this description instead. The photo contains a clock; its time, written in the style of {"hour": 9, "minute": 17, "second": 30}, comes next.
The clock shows {"hour": 8, "minute": 45, "second": 42}
